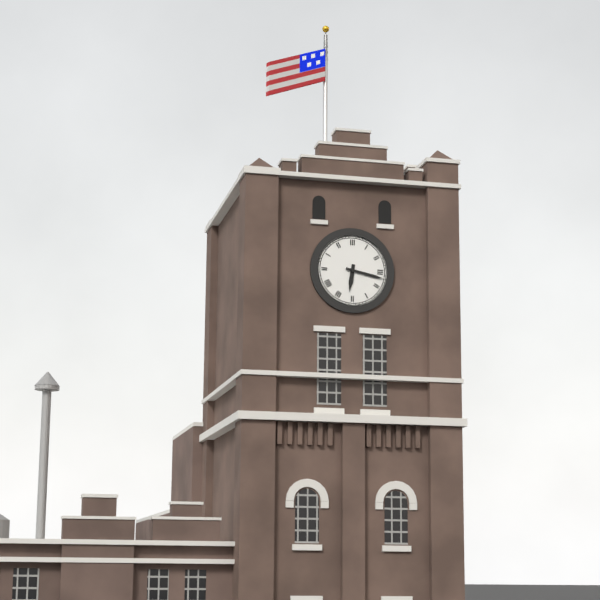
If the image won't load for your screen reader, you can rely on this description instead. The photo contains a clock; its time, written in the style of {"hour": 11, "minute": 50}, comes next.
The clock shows {"hour": 6, "minute": 17}
